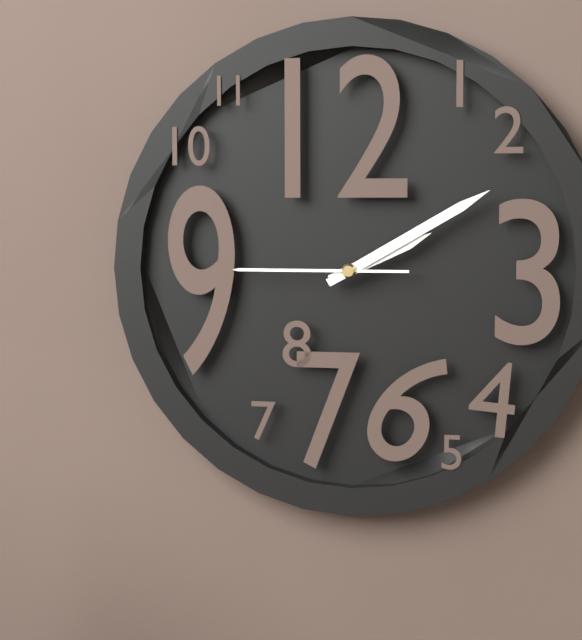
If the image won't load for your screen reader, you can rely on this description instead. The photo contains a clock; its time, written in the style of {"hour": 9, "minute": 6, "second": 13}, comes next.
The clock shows {"hour": 2, "minute": 10, "second": 45}
